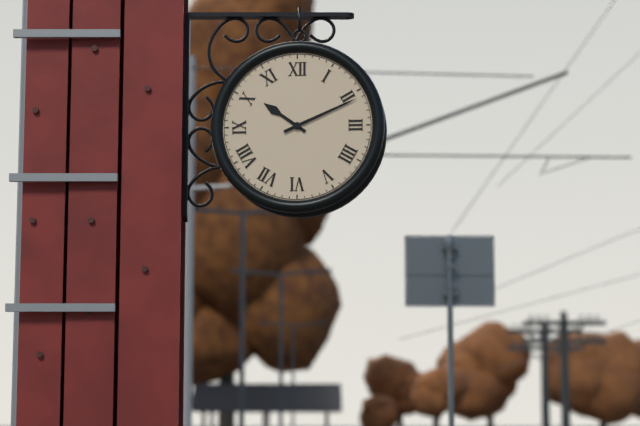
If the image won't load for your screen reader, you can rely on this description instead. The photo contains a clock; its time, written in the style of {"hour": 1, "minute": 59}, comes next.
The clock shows {"hour": 10, "minute": 11}
